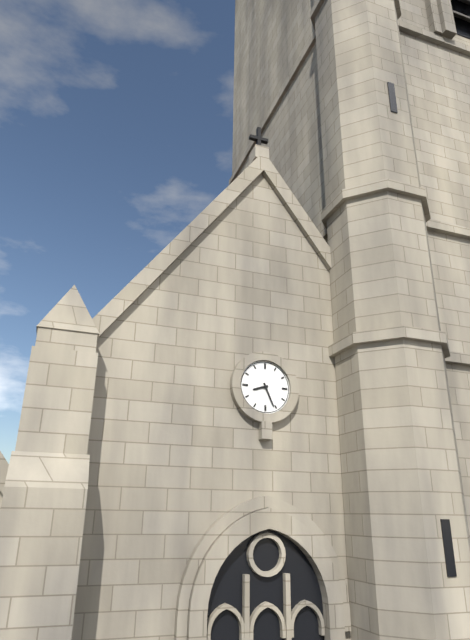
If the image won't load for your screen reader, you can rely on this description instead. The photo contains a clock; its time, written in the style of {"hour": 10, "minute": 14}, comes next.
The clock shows {"hour": 8, "minute": 26}
